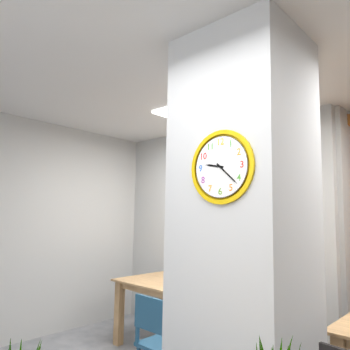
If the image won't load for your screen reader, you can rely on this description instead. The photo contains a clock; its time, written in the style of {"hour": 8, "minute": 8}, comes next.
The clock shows {"hour": 9, "minute": 22}
